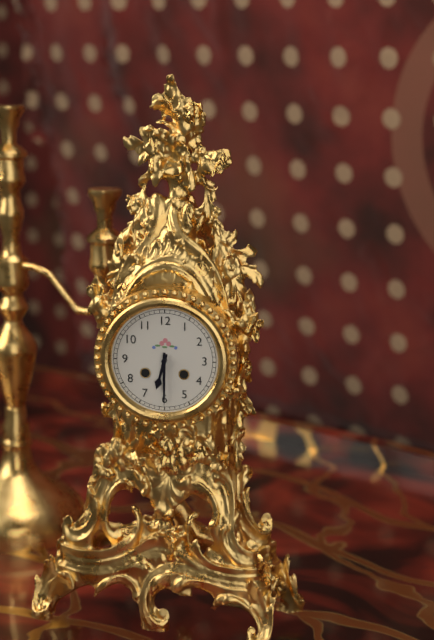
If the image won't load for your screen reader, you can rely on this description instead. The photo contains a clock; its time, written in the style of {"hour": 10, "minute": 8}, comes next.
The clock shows {"hour": 6, "minute": 30}
